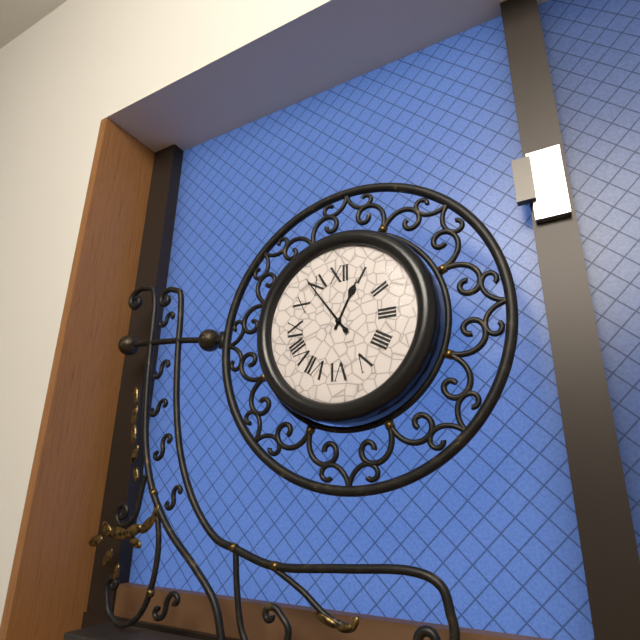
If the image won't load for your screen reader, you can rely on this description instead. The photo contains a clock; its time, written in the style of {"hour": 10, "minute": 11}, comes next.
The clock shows {"hour": 12, "minute": 54}
